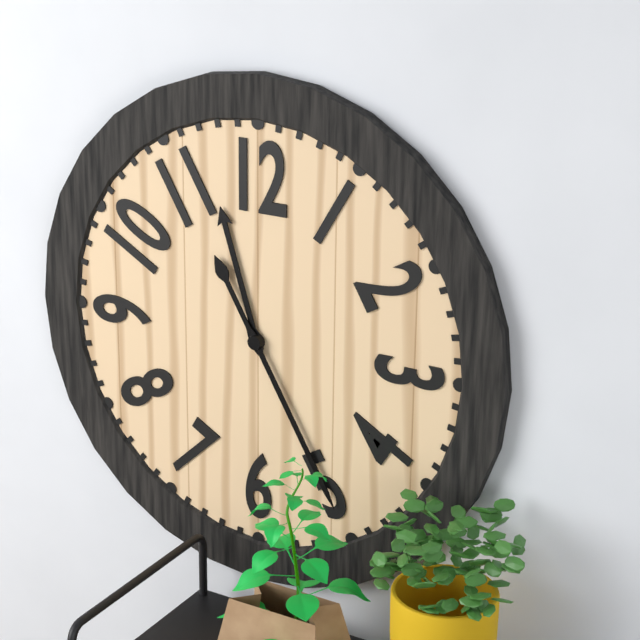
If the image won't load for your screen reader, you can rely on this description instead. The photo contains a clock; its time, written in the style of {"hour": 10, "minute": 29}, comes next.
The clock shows {"hour": 11, "minute": 25}
